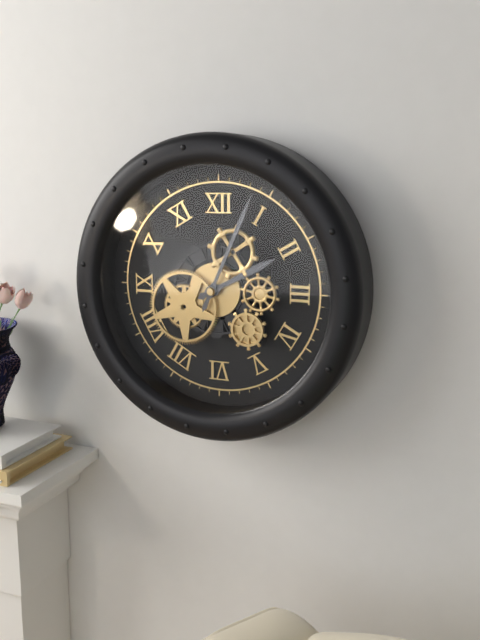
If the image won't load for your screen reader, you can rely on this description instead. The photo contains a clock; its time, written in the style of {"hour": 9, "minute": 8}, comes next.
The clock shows {"hour": 2, "minute": 4}
